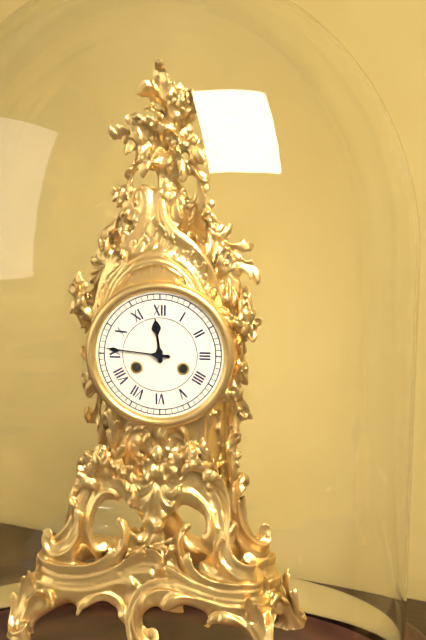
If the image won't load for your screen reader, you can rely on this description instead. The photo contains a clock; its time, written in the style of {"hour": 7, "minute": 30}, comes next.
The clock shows {"hour": 11, "minute": 46}
